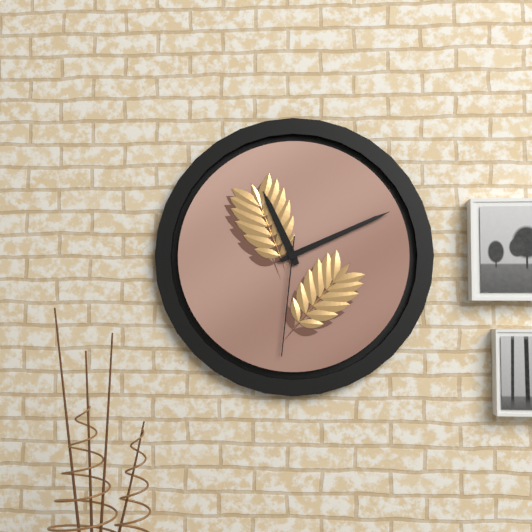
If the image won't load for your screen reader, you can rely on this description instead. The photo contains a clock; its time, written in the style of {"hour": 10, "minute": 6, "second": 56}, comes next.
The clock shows {"hour": 11, "minute": 11, "second": 31}
